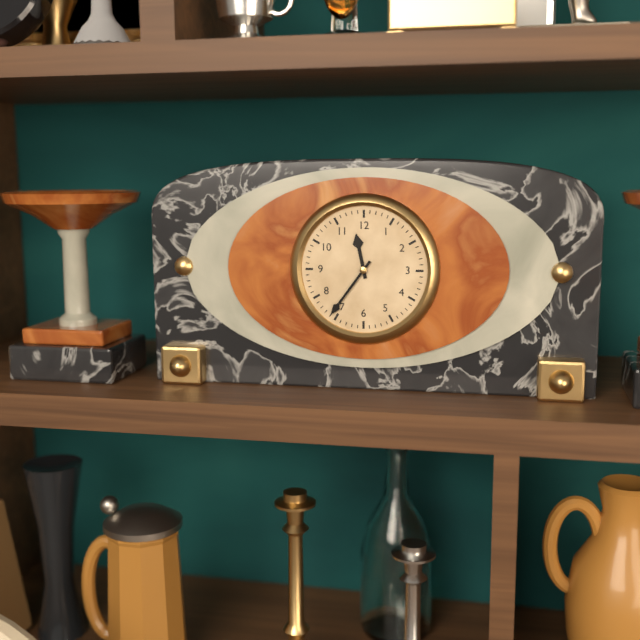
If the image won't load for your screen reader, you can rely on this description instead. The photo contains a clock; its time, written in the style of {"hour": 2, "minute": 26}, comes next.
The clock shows {"hour": 11, "minute": 36}
